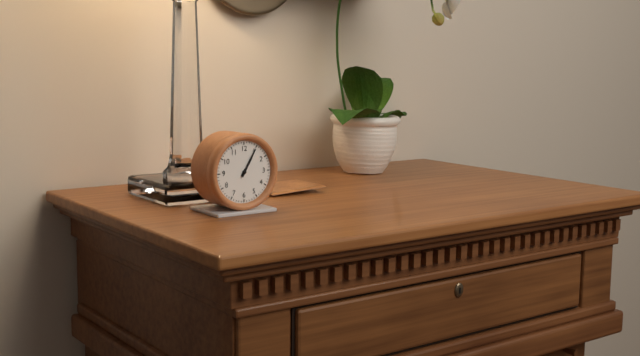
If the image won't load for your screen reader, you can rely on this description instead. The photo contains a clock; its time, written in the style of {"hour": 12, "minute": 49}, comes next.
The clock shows {"hour": 1, "minute": 5}
